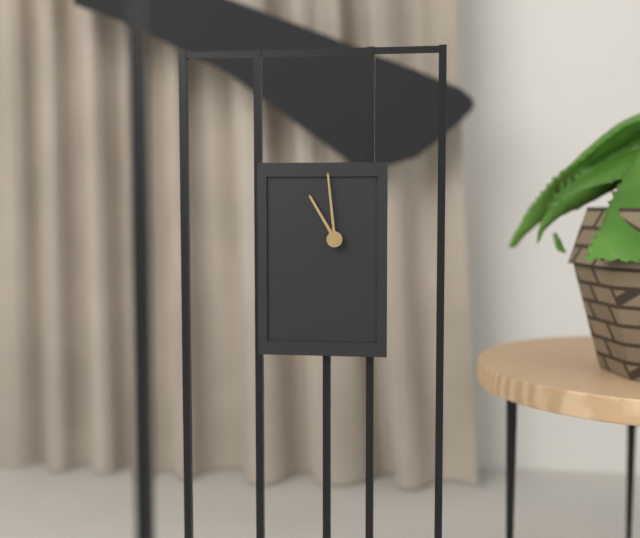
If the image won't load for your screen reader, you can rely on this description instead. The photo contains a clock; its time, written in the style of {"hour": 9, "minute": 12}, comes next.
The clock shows {"hour": 10, "minute": 59}
